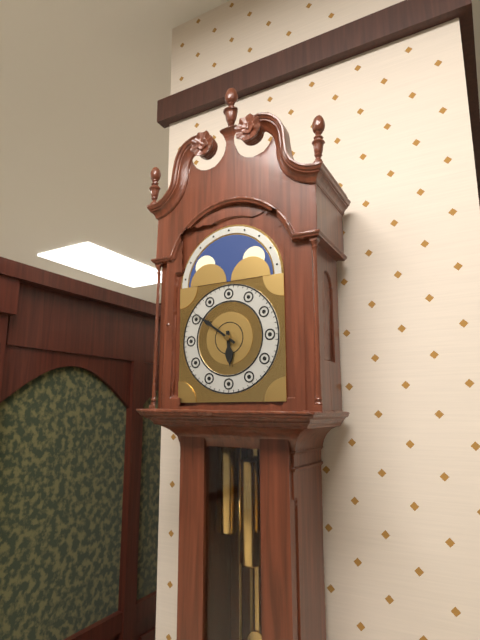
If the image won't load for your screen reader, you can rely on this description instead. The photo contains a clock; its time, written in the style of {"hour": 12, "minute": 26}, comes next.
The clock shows {"hour": 5, "minute": 51}
